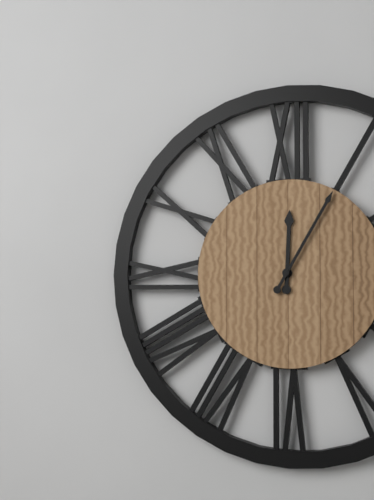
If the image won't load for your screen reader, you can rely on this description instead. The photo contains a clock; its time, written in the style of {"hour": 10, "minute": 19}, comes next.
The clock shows {"hour": 12, "minute": 5}
